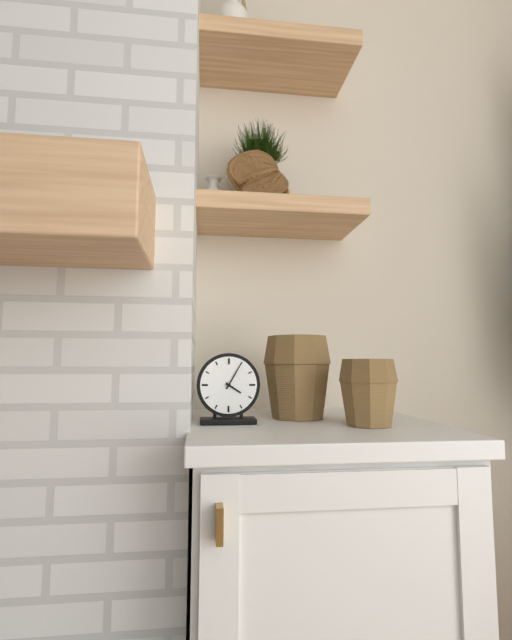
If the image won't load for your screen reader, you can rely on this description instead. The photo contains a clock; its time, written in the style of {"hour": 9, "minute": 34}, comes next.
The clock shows {"hour": 4, "minute": 5}
